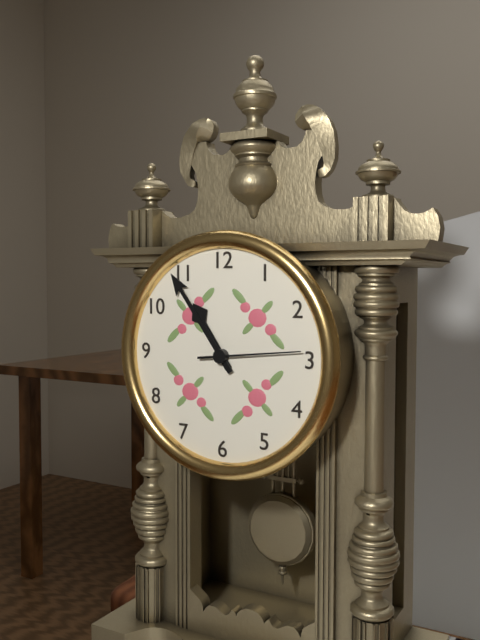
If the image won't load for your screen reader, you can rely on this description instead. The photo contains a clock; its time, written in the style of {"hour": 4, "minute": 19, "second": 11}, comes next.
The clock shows {"hour": 10, "minute": 54, "second": 14}
